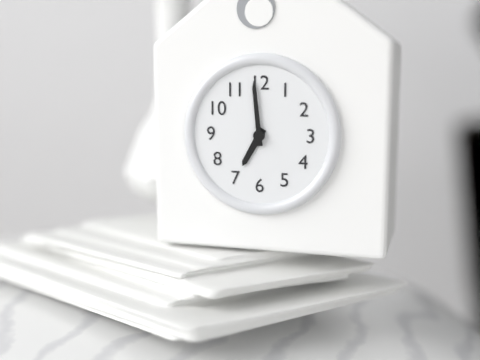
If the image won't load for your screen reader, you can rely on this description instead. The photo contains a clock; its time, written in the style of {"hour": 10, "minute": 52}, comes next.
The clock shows {"hour": 6, "minute": 59}
